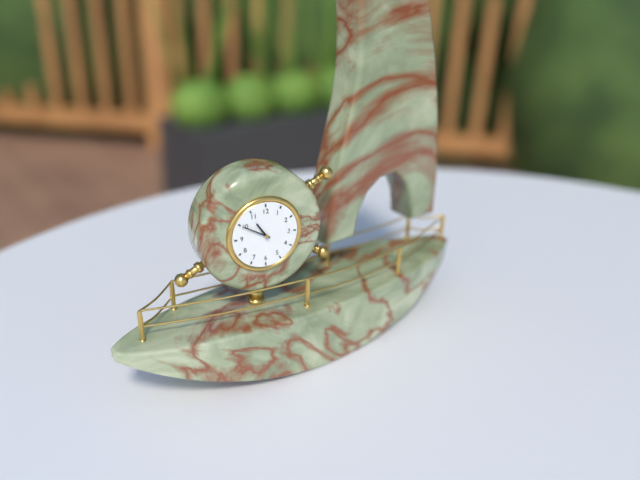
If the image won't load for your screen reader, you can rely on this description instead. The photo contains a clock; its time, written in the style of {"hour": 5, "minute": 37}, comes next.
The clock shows {"hour": 10, "minute": 50}
